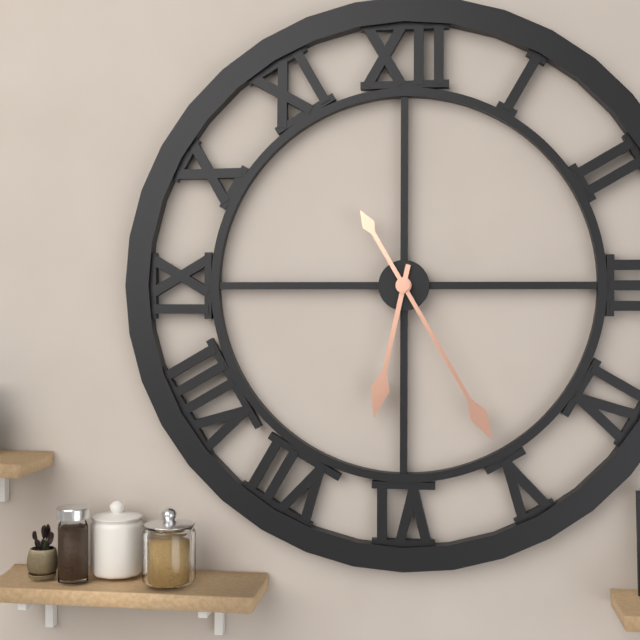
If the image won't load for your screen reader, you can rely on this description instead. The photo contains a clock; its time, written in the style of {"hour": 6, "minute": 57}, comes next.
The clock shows {"hour": 6, "minute": 25}
